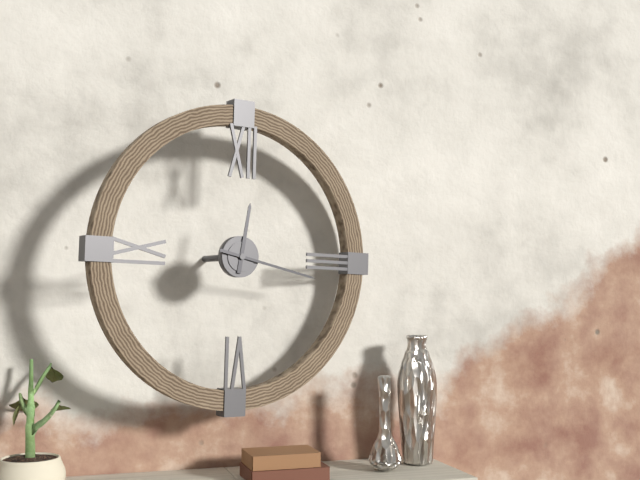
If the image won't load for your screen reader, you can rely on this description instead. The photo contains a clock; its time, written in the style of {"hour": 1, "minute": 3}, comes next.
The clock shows {"hour": 12, "minute": 17}
